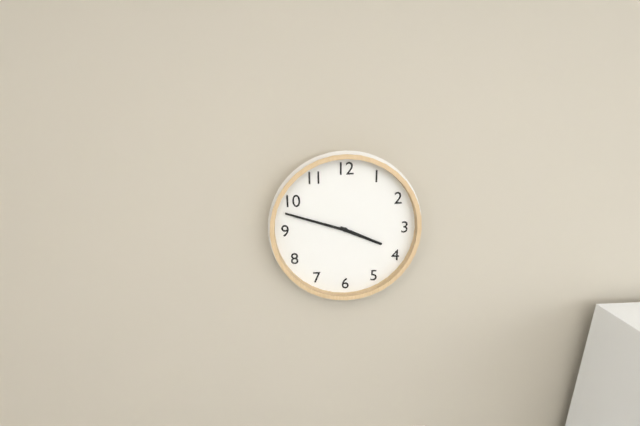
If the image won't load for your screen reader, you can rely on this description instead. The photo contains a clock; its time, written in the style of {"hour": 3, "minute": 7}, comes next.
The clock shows {"hour": 3, "minute": 48}
